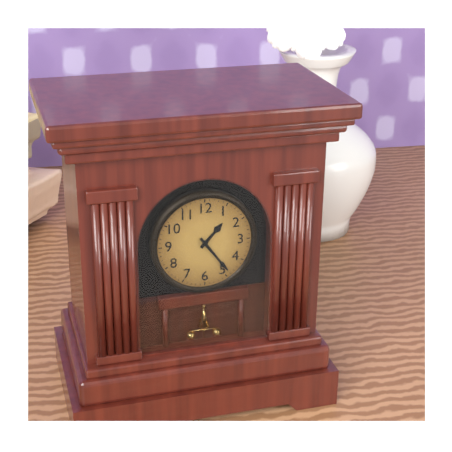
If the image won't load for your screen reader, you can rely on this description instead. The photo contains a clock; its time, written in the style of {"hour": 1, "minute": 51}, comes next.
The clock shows {"hour": 1, "minute": 24}
